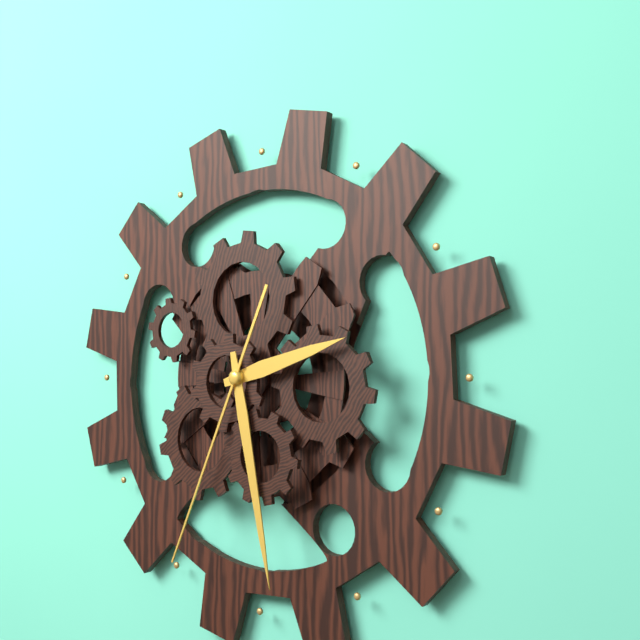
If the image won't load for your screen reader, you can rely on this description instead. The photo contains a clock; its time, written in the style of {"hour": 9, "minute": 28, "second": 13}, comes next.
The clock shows {"hour": 2, "minute": 28, "second": 34}
